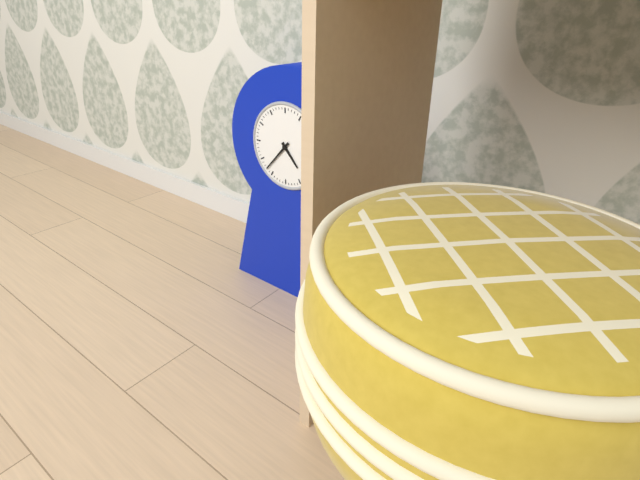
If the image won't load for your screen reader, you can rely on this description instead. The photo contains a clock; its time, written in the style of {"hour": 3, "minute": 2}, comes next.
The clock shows {"hour": 4, "minute": 37}
